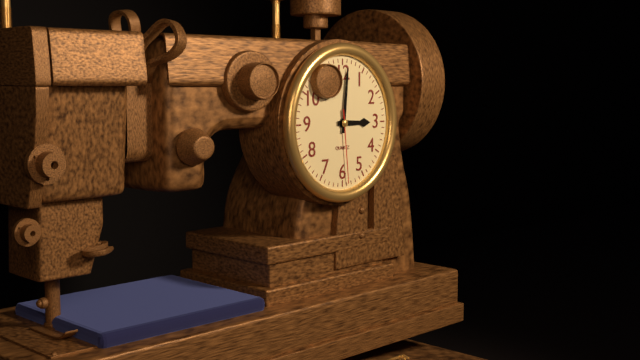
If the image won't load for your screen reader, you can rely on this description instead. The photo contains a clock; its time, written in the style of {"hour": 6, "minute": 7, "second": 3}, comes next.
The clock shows {"hour": 3, "minute": 1, "second": 29}
